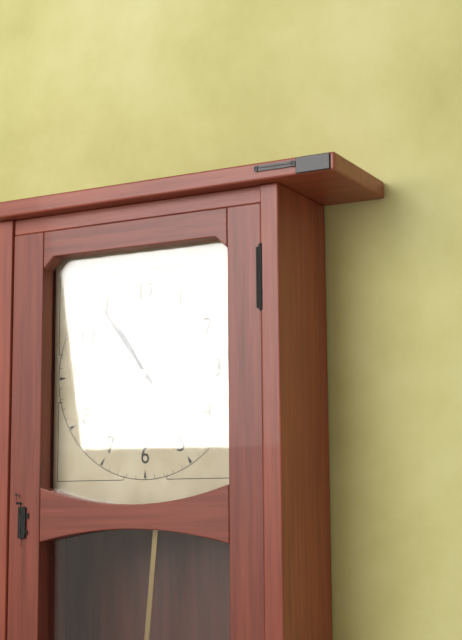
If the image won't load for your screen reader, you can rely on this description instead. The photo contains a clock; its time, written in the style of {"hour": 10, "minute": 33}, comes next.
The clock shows {"hour": 10, "minute": 54}
